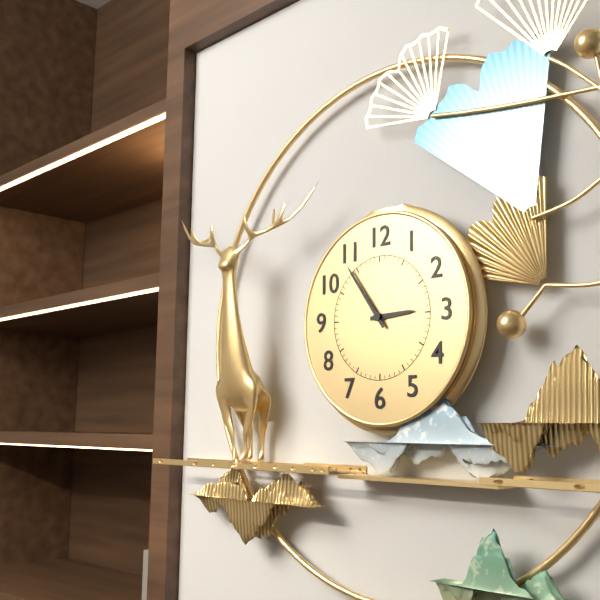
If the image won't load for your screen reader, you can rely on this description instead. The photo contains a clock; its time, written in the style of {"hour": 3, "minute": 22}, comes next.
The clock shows {"hour": 2, "minute": 54}
